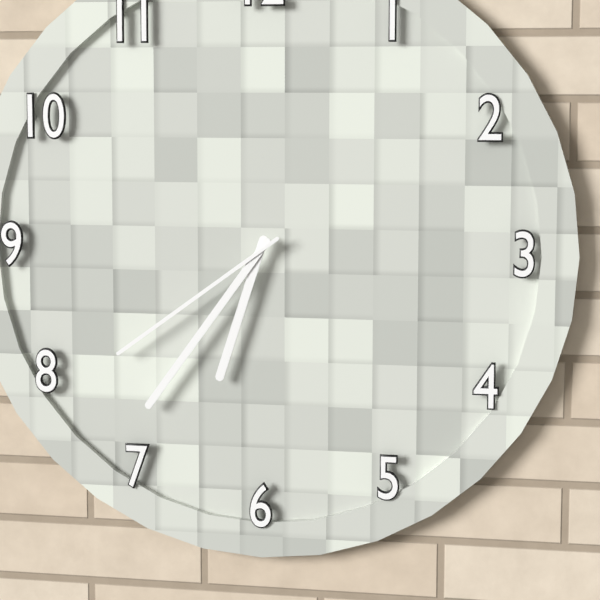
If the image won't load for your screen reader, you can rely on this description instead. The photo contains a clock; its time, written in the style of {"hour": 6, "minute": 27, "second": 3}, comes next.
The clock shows {"hour": 6, "minute": 36, "second": 39}
